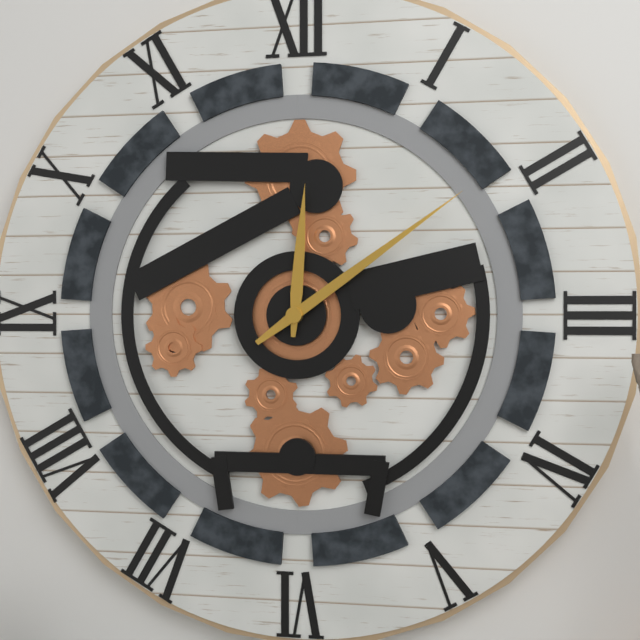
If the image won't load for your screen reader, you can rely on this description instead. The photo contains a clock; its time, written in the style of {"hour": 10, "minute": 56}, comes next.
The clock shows {"hour": 12, "minute": 9}
